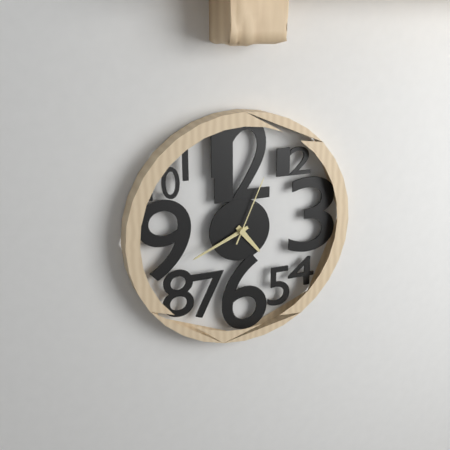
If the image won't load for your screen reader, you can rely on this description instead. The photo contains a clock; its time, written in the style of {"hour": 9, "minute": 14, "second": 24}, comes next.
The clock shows {"hour": 4, "minute": 41, "second": 4}
